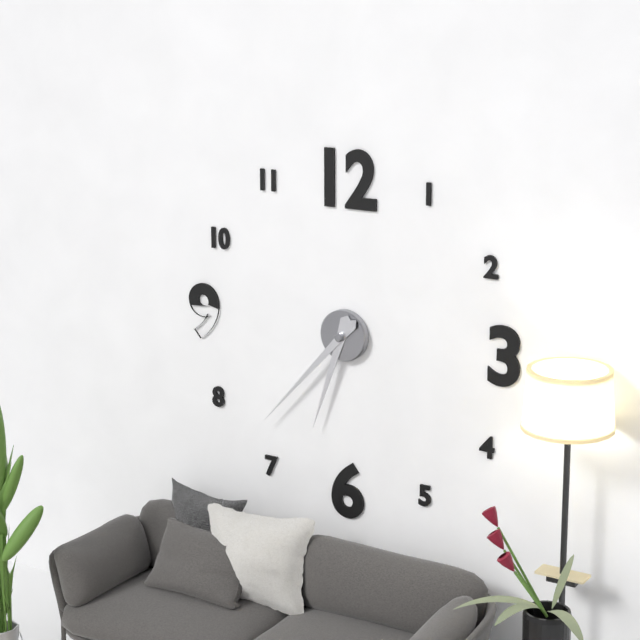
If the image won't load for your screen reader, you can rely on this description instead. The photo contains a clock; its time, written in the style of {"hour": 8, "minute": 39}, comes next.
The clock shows {"hour": 6, "minute": 37}
